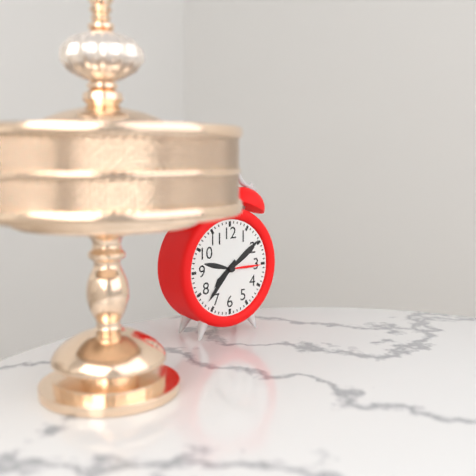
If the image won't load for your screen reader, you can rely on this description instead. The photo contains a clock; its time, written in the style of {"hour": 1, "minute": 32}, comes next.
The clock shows {"hour": 7, "minute": 37}
